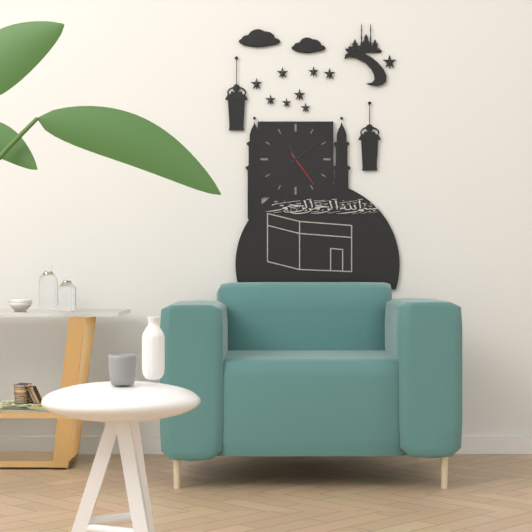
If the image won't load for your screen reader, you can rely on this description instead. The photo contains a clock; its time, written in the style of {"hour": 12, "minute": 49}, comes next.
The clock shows {"hour": 11, "minute": 9}
